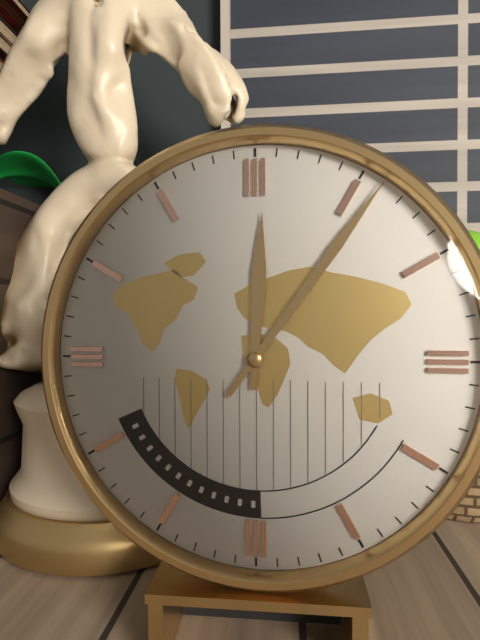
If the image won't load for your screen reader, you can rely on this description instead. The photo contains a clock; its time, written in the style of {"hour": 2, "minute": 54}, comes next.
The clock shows {"hour": 12, "minute": 6}
